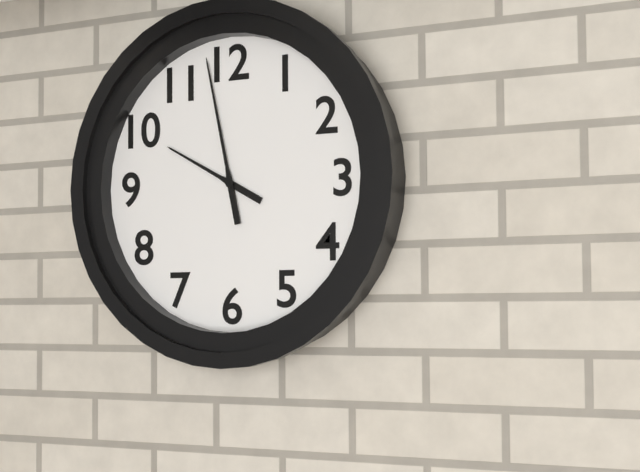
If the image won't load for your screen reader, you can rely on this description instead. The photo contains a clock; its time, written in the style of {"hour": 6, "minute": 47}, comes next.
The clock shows {"hour": 9, "minute": 58}
